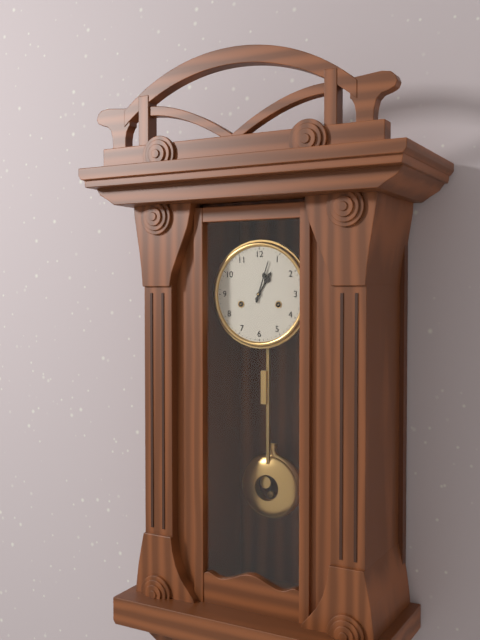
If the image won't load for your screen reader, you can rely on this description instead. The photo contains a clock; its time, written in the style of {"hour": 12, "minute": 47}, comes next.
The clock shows {"hour": 1, "minute": 3}
